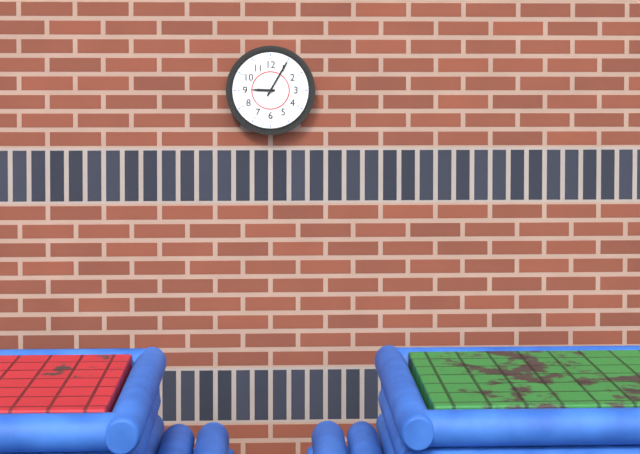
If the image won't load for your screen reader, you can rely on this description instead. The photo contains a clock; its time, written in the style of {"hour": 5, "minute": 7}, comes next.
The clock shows {"hour": 9, "minute": 5}
